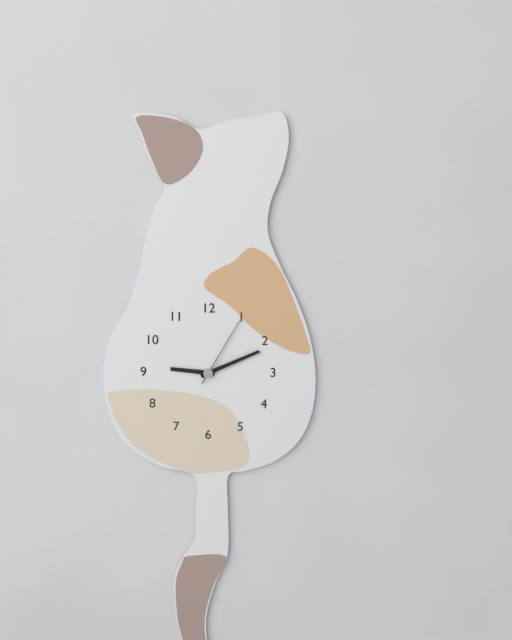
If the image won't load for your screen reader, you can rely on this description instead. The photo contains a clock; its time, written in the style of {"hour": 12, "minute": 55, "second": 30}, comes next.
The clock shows {"hour": 9, "minute": 11, "second": 5}
